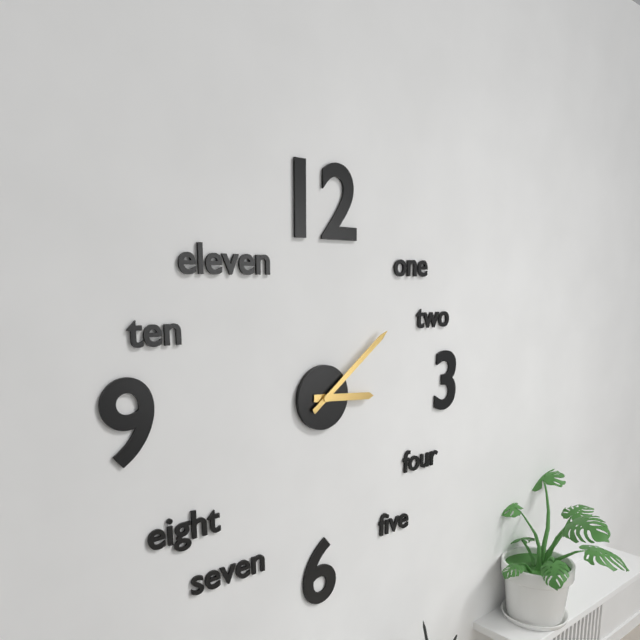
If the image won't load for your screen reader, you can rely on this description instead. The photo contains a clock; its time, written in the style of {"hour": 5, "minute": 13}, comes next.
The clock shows {"hour": 3, "minute": 9}
